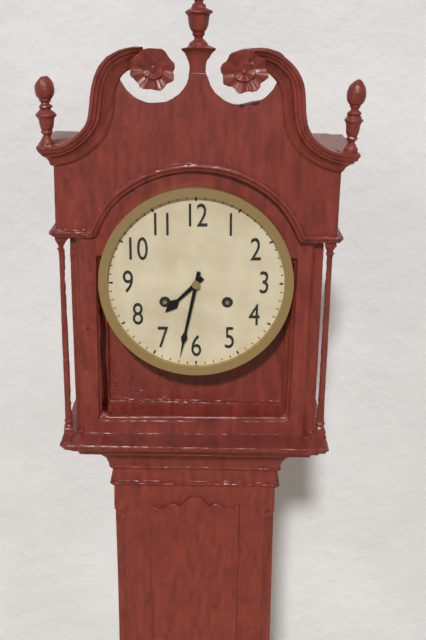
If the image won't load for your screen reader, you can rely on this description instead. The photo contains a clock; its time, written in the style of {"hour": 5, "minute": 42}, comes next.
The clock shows {"hour": 7, "minute": 32}
